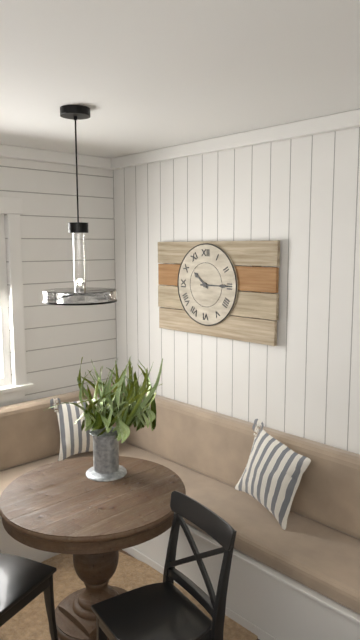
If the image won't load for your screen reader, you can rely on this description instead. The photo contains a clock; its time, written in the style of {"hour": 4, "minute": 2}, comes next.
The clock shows {"hour": 10, "minute": 15}
